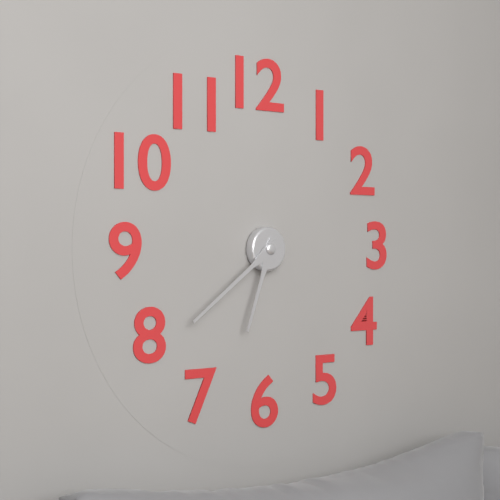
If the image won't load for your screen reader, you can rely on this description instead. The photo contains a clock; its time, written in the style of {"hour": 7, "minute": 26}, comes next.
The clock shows {"hour": 6, "minute": 39}
